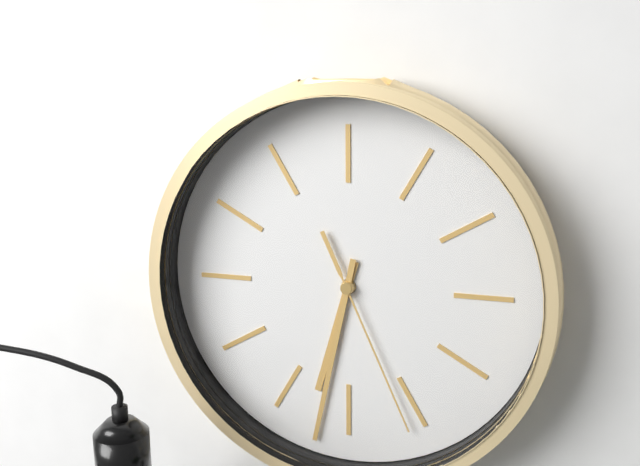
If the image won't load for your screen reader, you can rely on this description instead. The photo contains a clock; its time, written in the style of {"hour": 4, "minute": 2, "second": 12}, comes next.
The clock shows {"hour": 6, "minute": 32, "second": 26}
